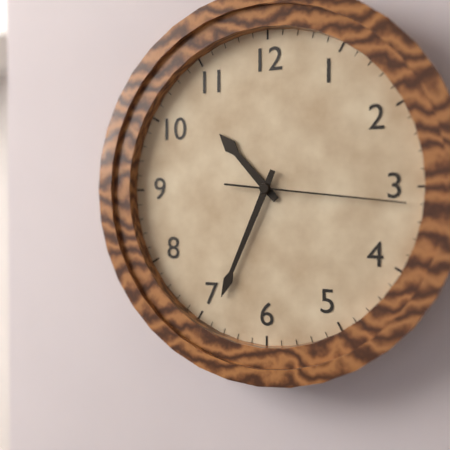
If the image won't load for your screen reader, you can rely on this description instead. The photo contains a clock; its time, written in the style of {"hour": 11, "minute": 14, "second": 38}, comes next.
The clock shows {"hour": 10, "minute": 34, "second": 16}
